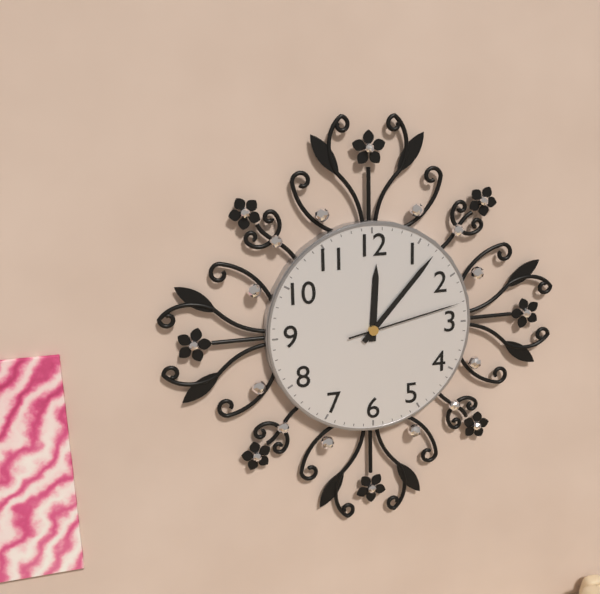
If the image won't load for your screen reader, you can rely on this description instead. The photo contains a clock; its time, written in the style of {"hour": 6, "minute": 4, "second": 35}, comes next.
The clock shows {"hour": 12, "minute": 7, "second": 13}
